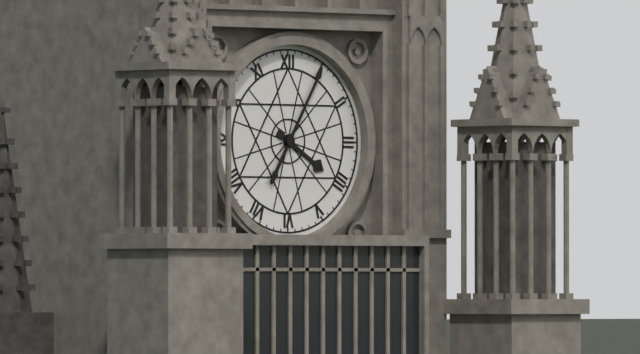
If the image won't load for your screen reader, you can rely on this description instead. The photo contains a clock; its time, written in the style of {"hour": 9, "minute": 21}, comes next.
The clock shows {"hour": 4, "minute": 5}
